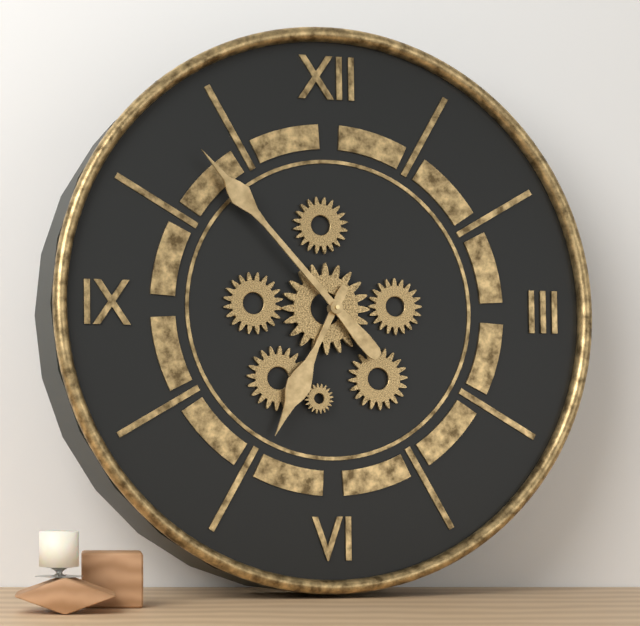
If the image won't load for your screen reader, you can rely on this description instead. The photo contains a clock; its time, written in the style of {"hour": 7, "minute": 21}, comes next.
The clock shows {"hour": 6, "minute": 53}
